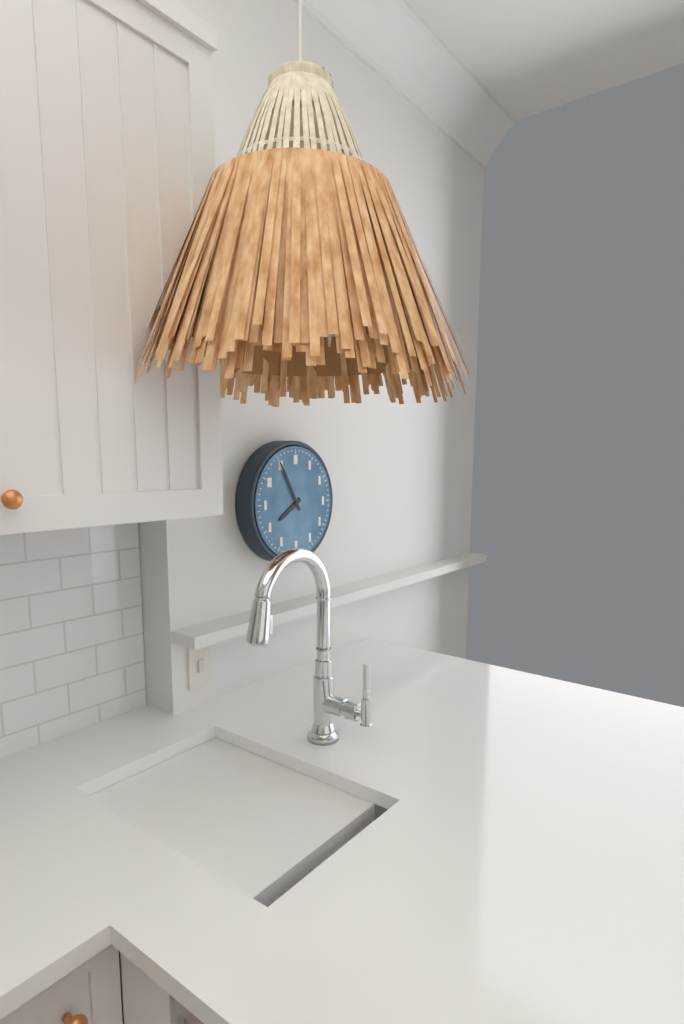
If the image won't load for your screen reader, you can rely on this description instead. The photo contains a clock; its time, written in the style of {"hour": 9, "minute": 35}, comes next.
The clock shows {"hour": 7, "minute": 55}
